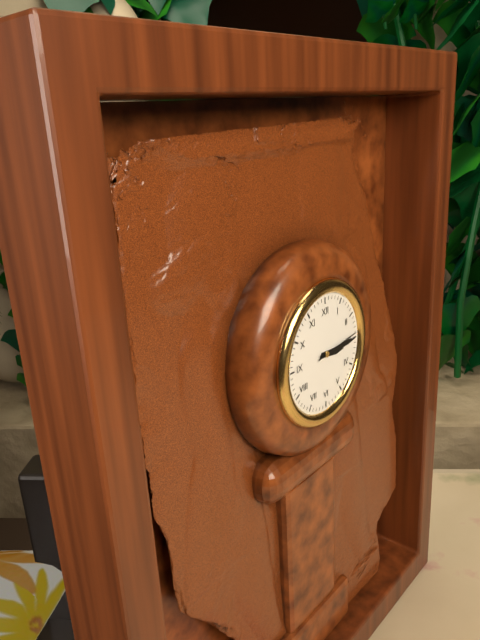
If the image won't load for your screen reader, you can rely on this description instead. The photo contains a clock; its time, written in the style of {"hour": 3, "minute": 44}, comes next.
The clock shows {"hour": 3, "minute": 15}
